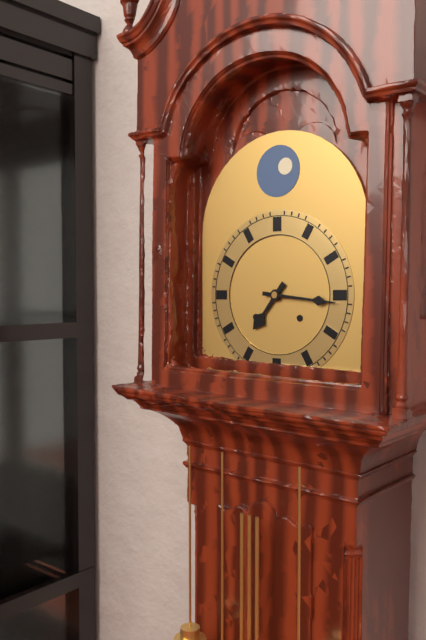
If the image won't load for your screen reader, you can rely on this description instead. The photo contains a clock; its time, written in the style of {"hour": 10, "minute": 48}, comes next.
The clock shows {"hour": 7, "minute": 16}
